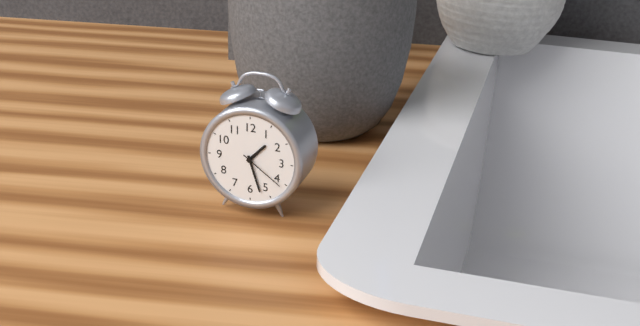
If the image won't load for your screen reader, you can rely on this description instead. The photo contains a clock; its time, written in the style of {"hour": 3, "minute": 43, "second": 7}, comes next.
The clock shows {"hour": 1, "minute": 27, "second": 21}
